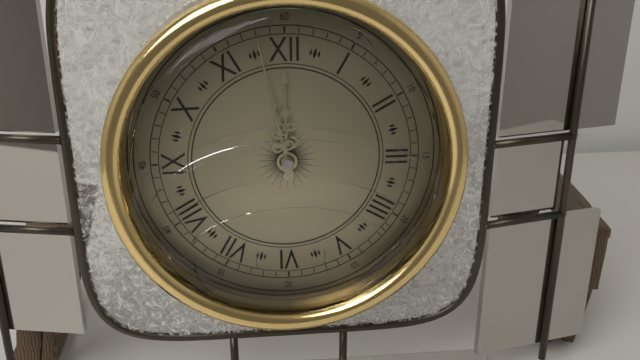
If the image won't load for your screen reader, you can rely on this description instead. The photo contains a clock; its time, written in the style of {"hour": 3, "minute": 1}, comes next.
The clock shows {"hour": 11, "minute": 58}
